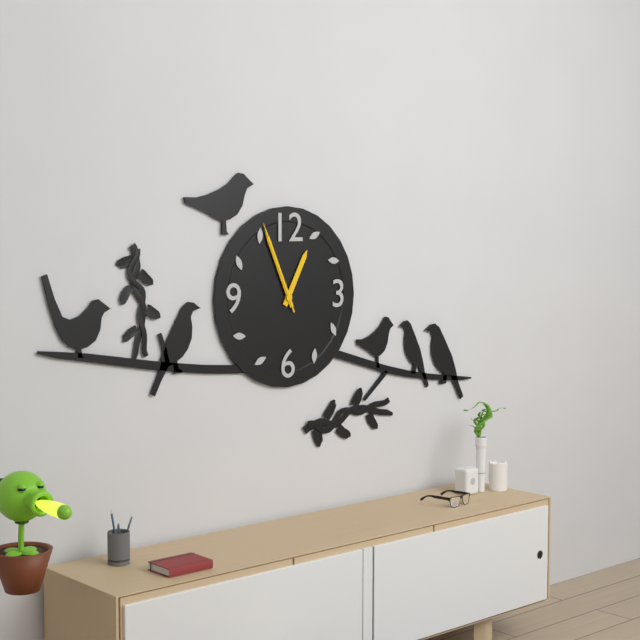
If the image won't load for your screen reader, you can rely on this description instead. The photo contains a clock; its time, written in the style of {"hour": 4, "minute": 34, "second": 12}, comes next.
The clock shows {"hour": 12, "minute": 56, "second": 56}
